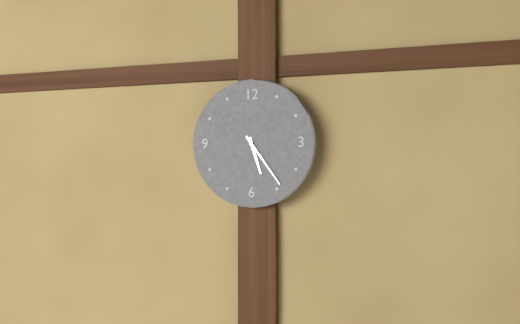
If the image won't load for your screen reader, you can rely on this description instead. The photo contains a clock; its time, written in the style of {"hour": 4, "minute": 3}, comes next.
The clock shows {"hour": 5, "minute": 24}
